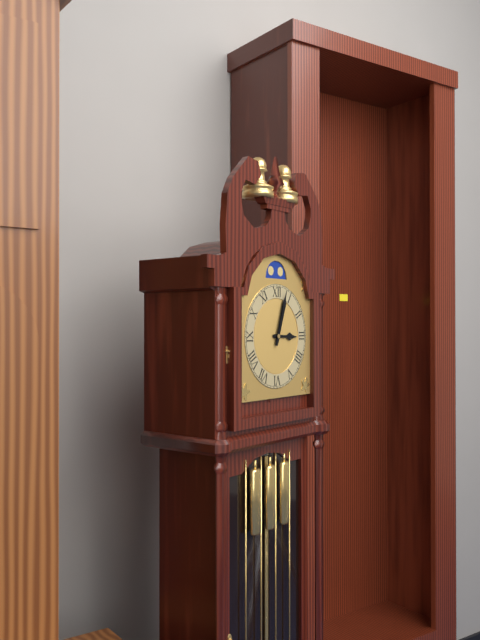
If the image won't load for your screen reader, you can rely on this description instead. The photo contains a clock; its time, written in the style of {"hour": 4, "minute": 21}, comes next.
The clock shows {"hour": 3, "minute": 3}
